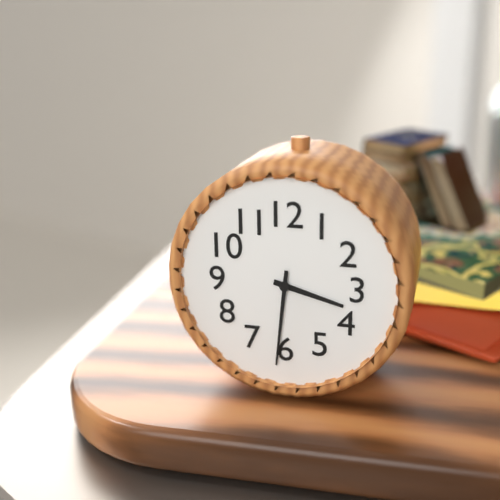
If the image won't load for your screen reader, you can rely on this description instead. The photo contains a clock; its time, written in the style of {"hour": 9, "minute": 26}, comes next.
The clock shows {"hour": 3, "minute": 31}
